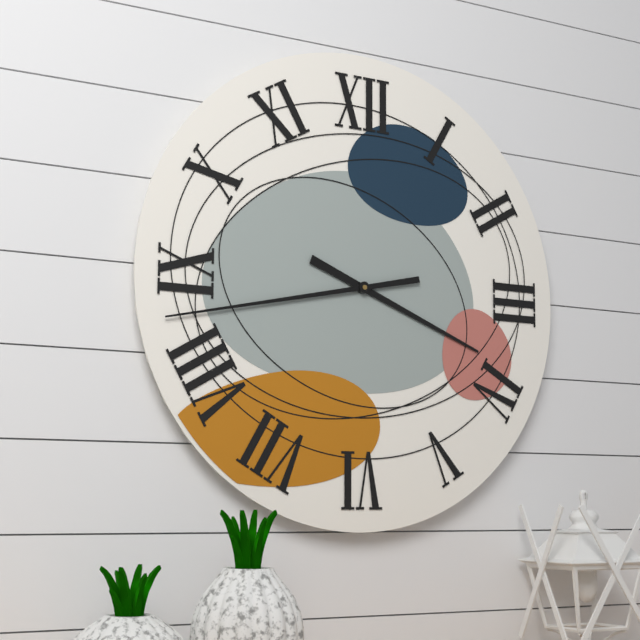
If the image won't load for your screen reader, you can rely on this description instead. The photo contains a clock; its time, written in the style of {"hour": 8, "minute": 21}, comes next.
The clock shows {"hour": 3, "minute": 43}
